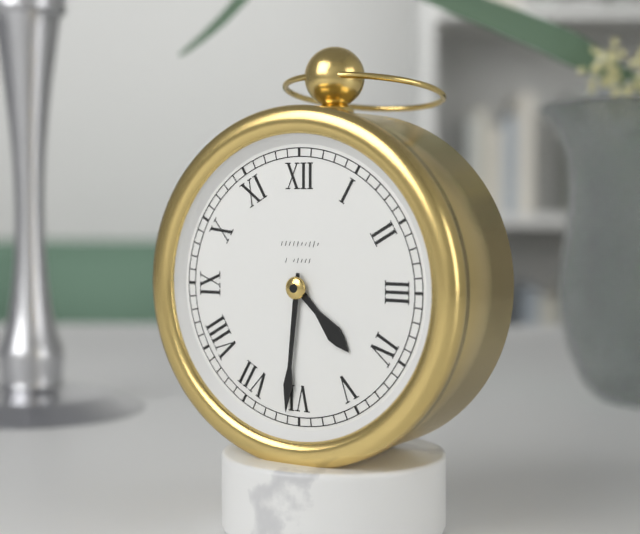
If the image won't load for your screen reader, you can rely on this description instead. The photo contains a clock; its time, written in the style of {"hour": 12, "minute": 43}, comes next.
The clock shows {"hour": 4, "minute": 31}
